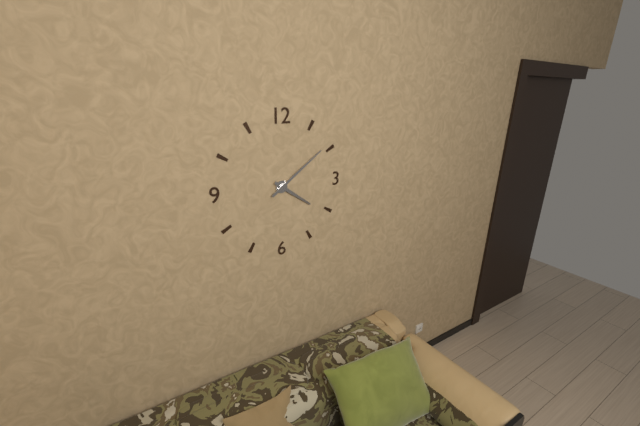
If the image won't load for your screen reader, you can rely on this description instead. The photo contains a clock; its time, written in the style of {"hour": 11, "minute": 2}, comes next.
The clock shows {"hour": 4, "minute": 9}
